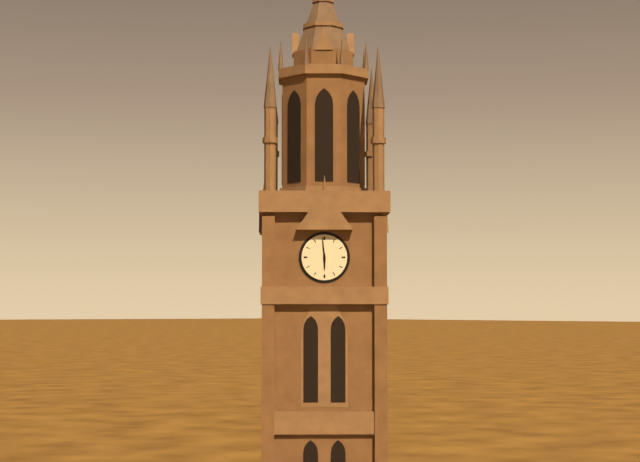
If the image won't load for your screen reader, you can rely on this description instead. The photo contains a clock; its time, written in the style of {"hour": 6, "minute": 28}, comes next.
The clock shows {"hour": 5, "minute": 59}
